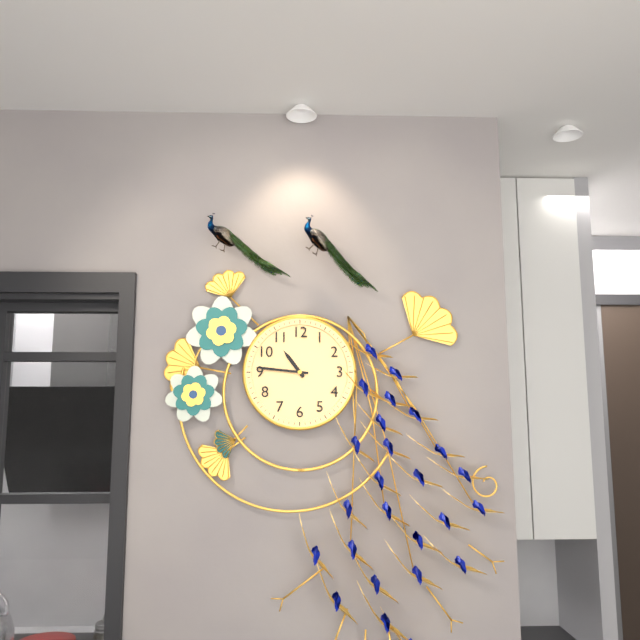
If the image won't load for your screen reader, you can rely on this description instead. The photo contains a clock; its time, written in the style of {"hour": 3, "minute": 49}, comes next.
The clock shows {"hour": 10, "minute": 46}
